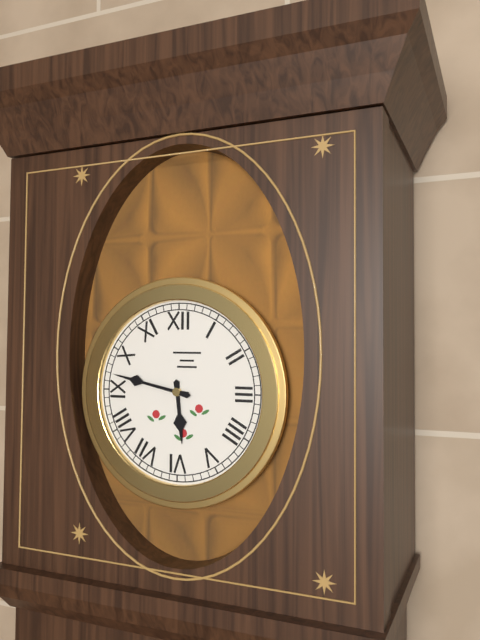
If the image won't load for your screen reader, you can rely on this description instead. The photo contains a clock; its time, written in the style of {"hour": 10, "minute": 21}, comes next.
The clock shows {"hour": 5, "minute": 47}
